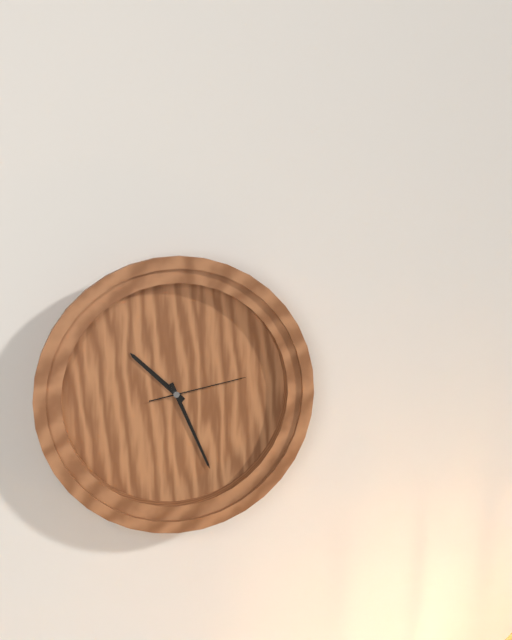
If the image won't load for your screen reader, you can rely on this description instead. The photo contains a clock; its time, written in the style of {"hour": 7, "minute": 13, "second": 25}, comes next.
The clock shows {"hour": 10, "minute": 26, "second": 13}
